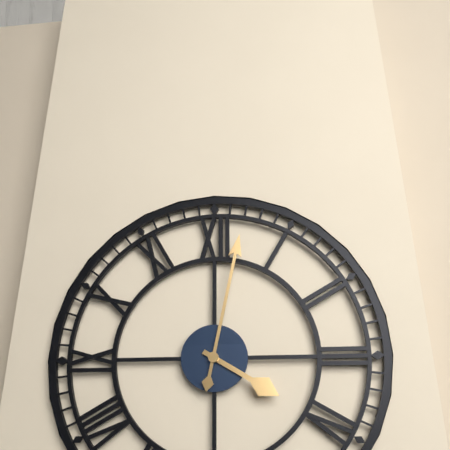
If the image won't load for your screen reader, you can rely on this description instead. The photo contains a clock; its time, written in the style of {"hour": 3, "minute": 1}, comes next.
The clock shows {"hour": 4, "minute": 2}
